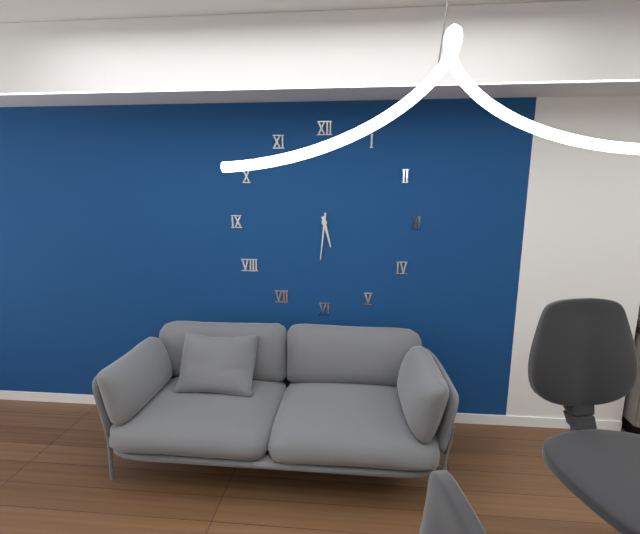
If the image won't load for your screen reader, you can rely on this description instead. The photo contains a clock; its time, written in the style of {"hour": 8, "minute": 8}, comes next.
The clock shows {"hour": 5, "minute": 31}
